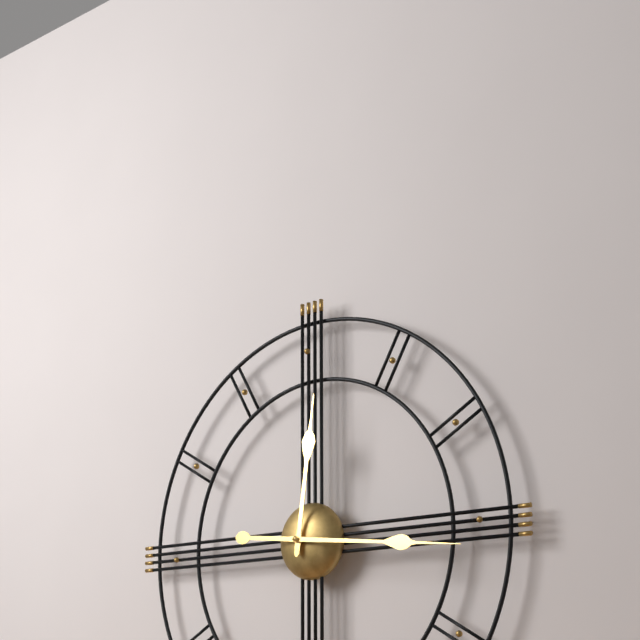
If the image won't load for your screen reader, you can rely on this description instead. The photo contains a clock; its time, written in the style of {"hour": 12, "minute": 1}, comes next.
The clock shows {"hour": 12, "minute": 16}
